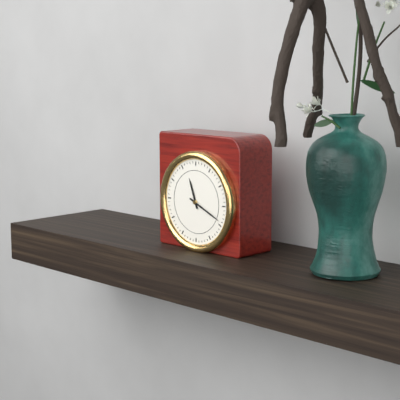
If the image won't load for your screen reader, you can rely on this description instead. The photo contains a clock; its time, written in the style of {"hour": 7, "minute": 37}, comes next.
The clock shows {"hour": 11, "minute": 19}
